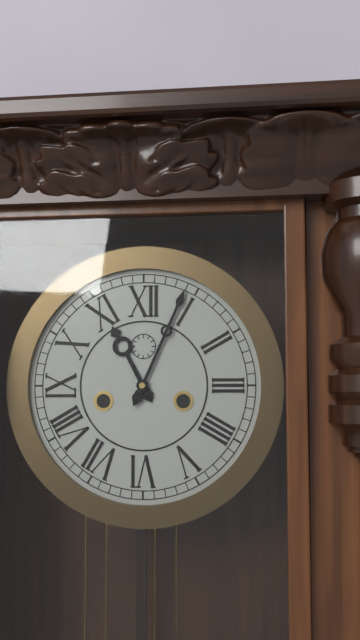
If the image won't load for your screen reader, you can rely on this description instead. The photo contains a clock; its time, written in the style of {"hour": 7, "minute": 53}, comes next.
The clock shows {"hour": 11, "minute": 4}
